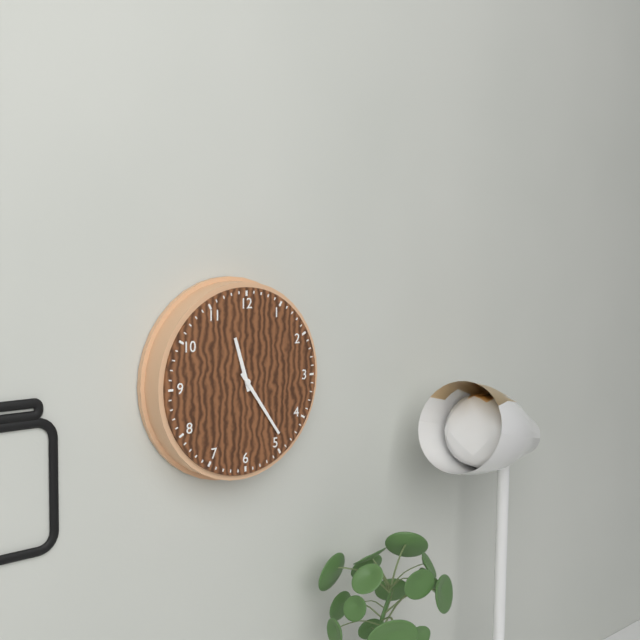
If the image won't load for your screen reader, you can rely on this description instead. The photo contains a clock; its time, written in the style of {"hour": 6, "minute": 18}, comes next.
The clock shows {"hour": 11, "minute": 24}
